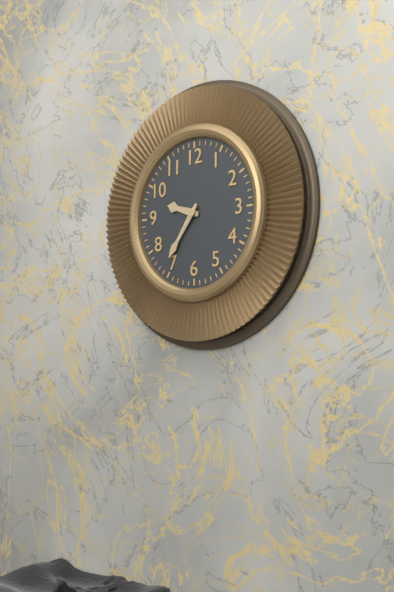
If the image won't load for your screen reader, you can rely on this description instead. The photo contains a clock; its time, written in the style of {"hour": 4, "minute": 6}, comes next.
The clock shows {"hour": 9, "minute": 36}
